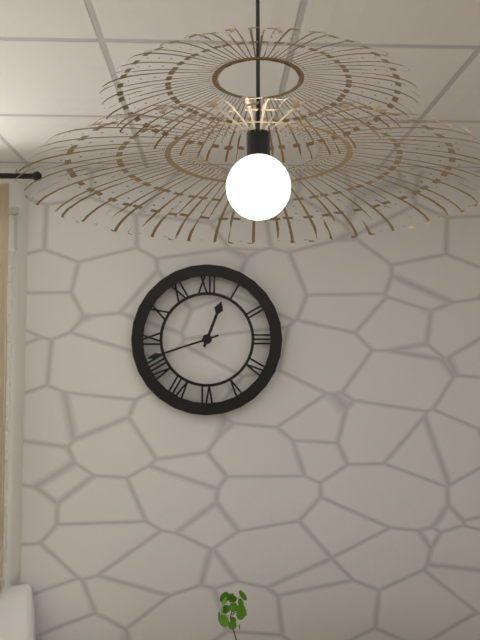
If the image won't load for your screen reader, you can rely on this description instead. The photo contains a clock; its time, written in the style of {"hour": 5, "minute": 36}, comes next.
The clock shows {"hour": 12, "minute": 42}
